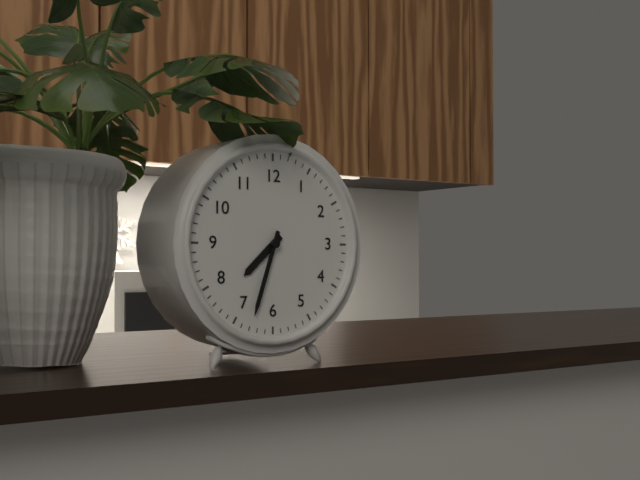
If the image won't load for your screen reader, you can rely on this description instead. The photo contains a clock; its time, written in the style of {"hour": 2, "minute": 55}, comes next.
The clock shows {"hour": 7, "minute": 33}
